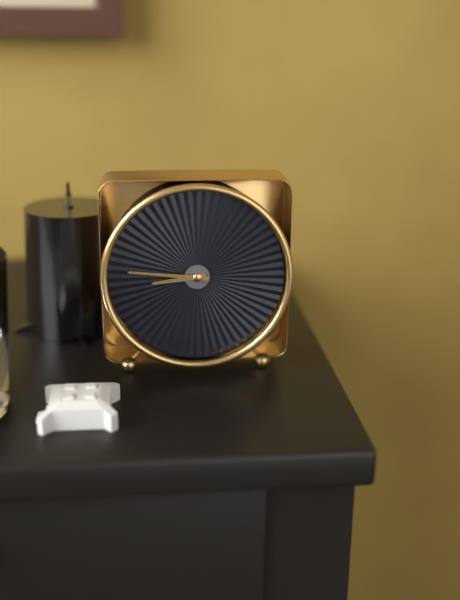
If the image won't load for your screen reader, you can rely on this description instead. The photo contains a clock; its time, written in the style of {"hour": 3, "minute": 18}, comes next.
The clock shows {"hour": 8, "minute": 46}
